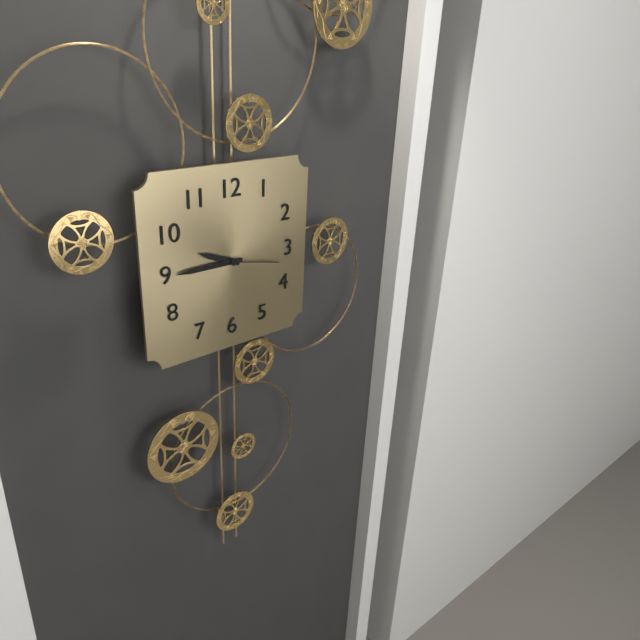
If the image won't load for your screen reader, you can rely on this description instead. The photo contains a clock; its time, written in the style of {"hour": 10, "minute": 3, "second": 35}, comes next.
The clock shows {"hour": 9, "minute": 45, "second": 17}
